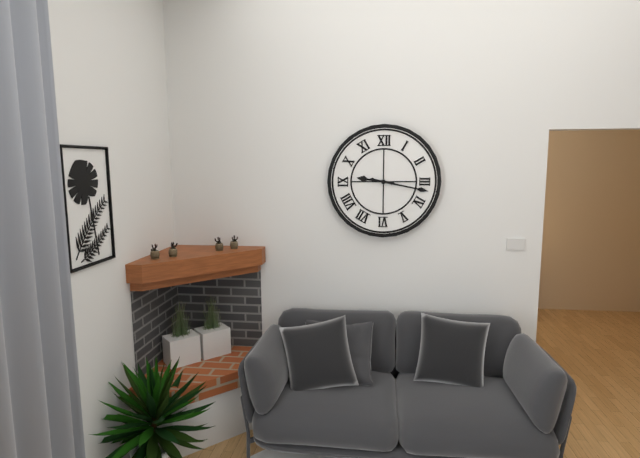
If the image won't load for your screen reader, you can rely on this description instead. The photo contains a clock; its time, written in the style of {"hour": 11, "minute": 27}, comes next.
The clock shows {"hour": 9, "minute": 17}
